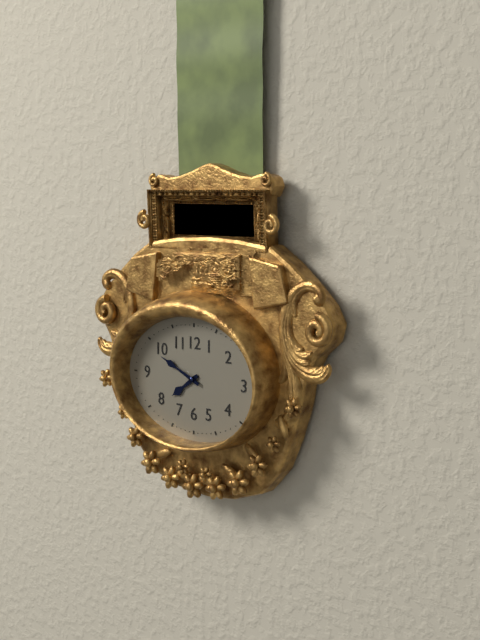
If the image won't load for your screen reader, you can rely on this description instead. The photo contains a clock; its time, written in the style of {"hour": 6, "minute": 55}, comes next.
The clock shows {"hour": 7, "minute": 49}
